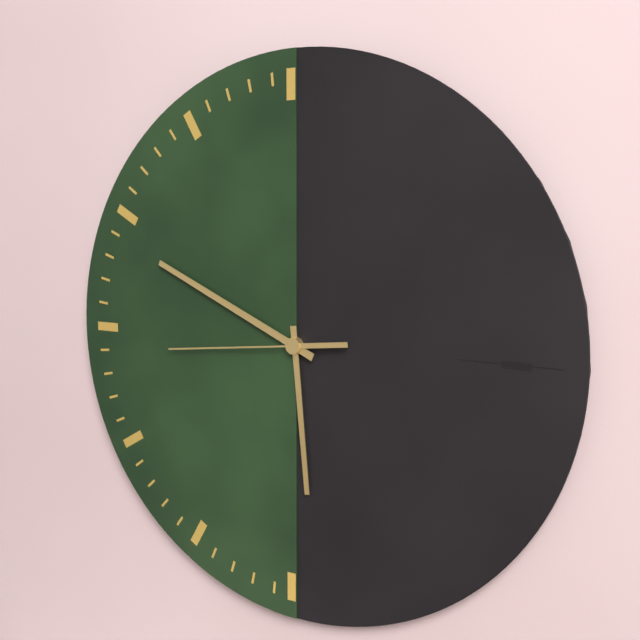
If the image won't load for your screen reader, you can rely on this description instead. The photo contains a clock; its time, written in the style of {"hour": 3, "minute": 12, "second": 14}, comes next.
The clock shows {"hour": 5, "minute": 49, "second": 44}
